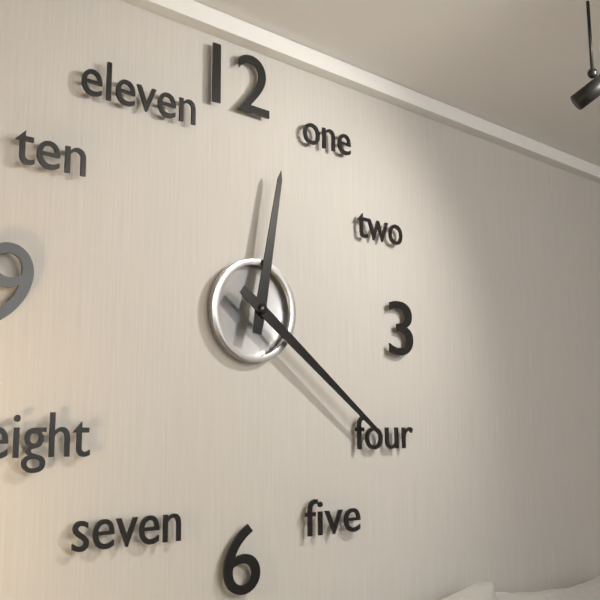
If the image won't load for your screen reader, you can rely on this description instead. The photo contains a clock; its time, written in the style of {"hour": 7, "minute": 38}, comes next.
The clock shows {"hour": 12, "minute": 21}
